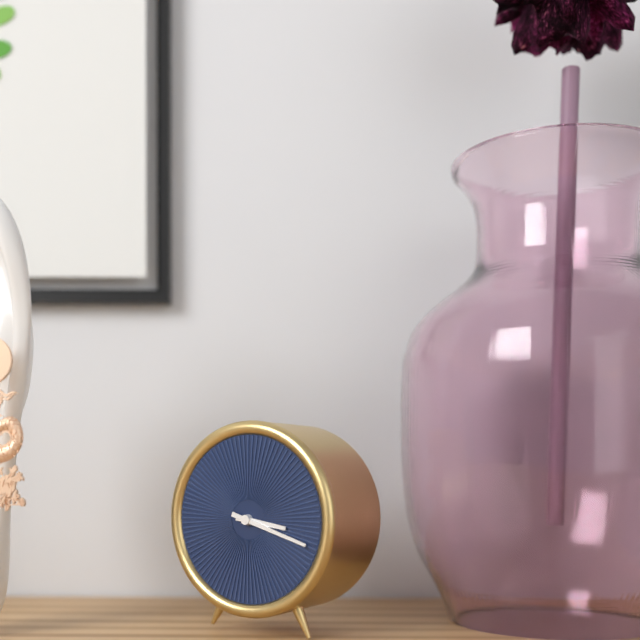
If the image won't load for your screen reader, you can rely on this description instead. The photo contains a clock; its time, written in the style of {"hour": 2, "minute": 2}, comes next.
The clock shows {"hour": 3, "minute": 18}
